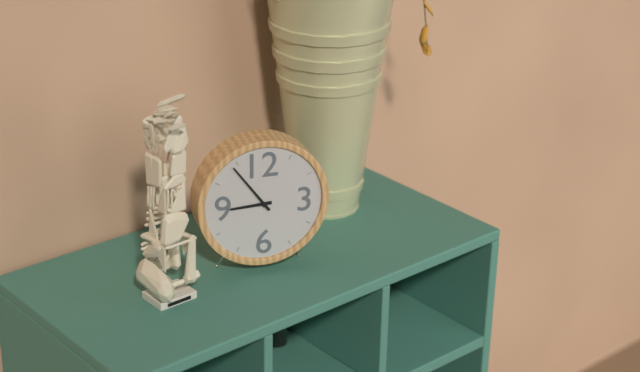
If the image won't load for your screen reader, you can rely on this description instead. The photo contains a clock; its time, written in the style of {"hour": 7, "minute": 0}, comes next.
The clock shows {"hour": 8, "minute": 54}
